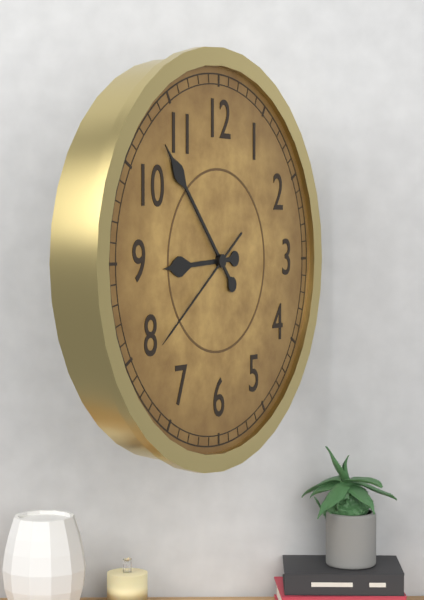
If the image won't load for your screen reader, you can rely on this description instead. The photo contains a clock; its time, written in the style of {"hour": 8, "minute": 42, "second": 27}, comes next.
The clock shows {"hour": 8, "minute": 53, "second": 39}
